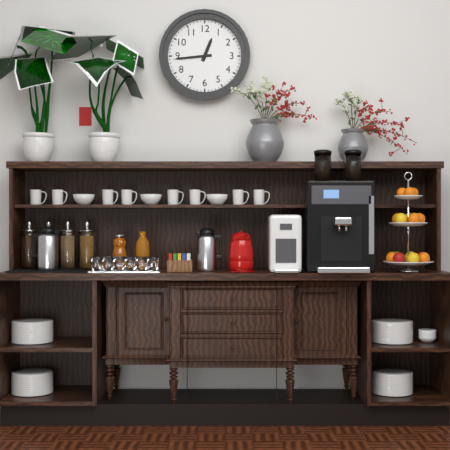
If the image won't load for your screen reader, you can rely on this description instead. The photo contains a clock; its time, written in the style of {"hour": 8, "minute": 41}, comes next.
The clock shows {"hour": 12, "minute": 44}
